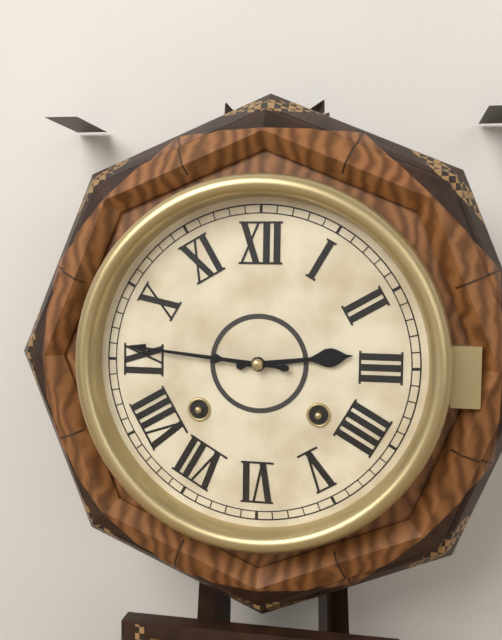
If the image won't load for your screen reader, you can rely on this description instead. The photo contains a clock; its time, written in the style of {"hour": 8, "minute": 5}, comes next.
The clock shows {"hour": 2, "minute": 46}
